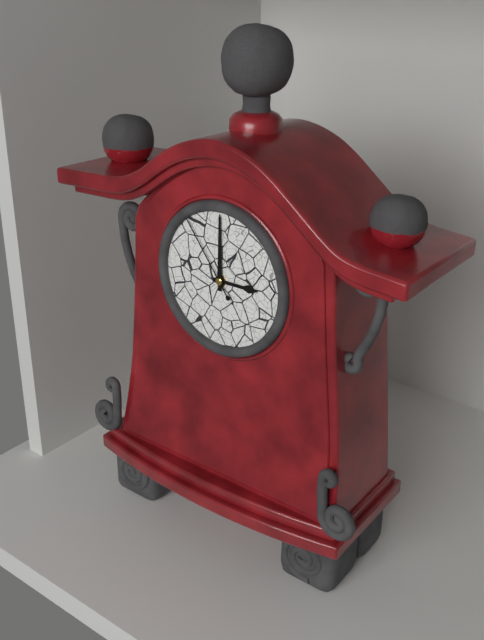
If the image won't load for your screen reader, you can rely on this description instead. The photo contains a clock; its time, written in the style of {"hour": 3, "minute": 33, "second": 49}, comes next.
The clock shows {"hour": 3, "minute": 0, "second": 54}
